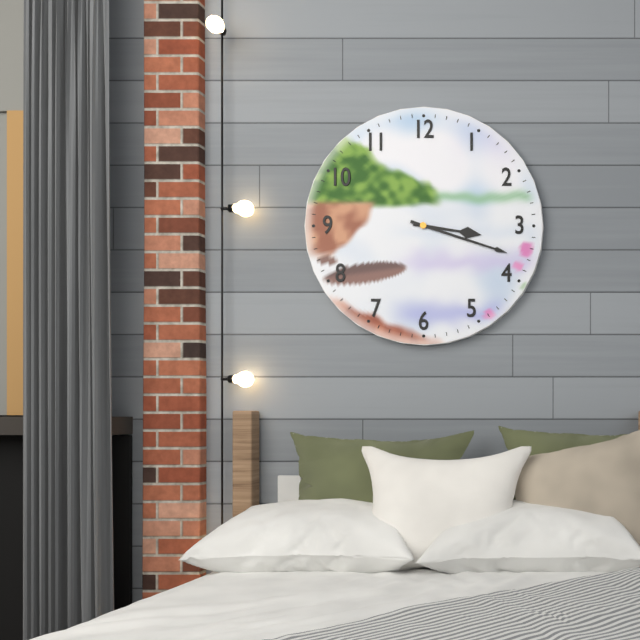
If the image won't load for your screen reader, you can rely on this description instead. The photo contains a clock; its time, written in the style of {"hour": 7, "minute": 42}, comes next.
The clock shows {"hour": 3, "minute": 18}
